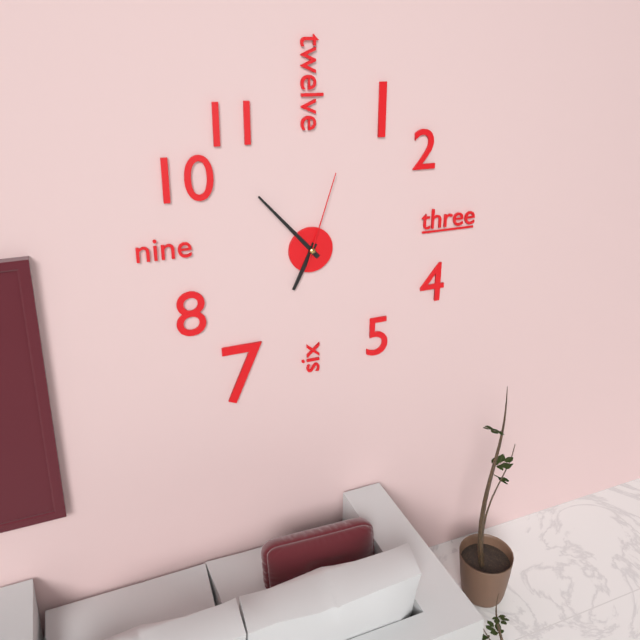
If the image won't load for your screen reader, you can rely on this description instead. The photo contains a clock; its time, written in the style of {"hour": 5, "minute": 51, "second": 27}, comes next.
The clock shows {"hour": 6, "minute": 53, "second": 3}
